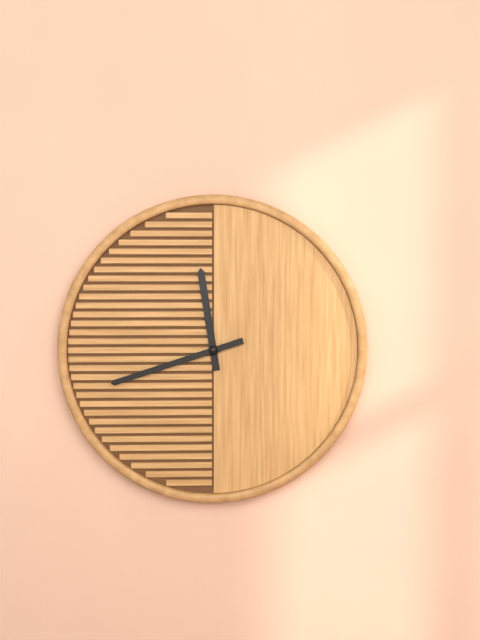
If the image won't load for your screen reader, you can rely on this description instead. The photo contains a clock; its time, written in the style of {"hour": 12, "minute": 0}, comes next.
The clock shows {"hour": 11, "minute": 42}
